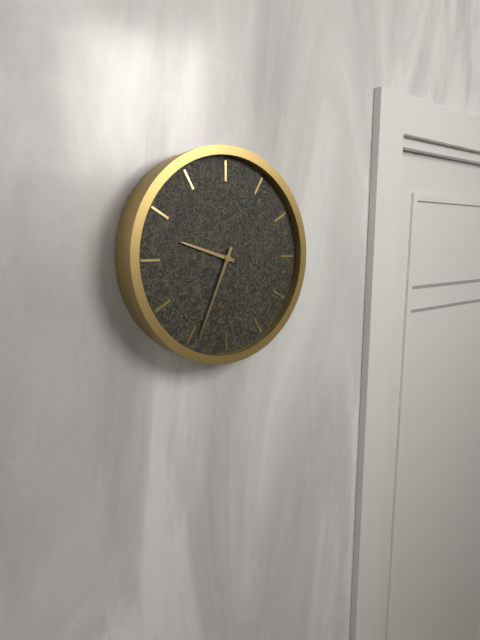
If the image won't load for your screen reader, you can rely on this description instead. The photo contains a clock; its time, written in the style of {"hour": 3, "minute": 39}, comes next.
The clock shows {"hour": 9, "minute": 34}
